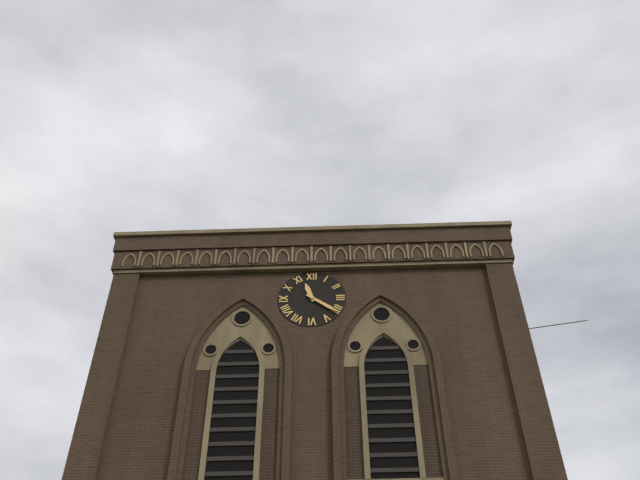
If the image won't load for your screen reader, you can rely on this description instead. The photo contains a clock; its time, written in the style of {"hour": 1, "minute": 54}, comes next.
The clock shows {"hour": 11, "minute": 21}
